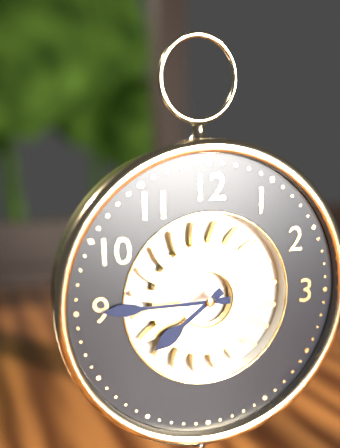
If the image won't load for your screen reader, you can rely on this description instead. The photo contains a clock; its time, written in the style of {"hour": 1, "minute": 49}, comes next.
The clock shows {"hour": 7, "minute": 45}
